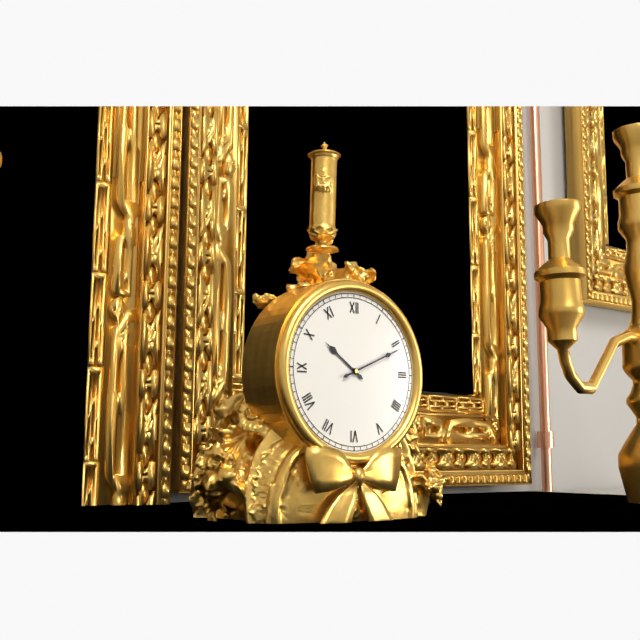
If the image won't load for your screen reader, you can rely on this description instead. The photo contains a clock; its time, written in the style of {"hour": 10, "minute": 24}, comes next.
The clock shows {"hour": 10, "minute": 11}
